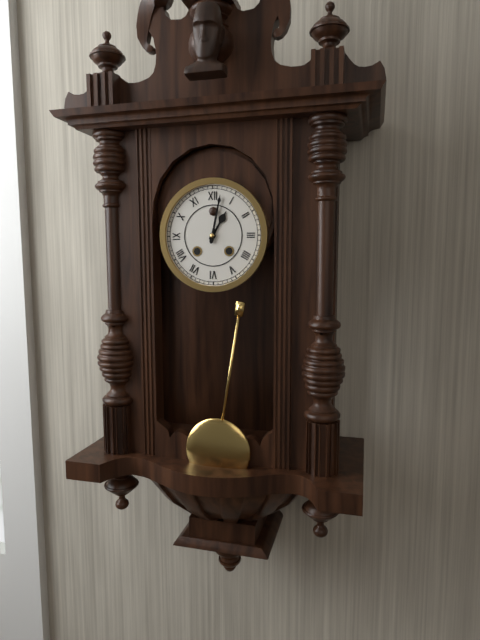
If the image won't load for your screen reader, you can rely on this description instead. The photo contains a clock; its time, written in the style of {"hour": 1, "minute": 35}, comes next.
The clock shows {"hour": 1, "minute": 2}
